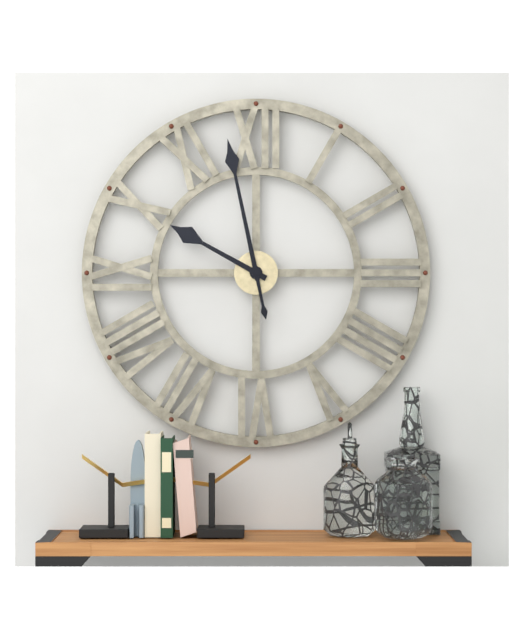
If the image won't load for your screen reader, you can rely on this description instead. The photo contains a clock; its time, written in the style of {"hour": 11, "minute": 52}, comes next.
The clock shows {"hour": 9, "minute": 58}
